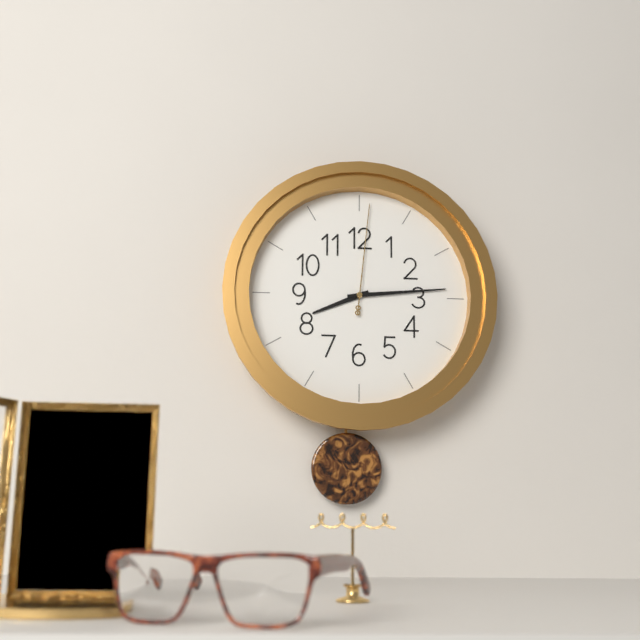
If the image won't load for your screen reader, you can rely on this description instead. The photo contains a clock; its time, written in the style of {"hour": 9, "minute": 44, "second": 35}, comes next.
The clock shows {"hour": 8, "minute": 14, "second": 1}
